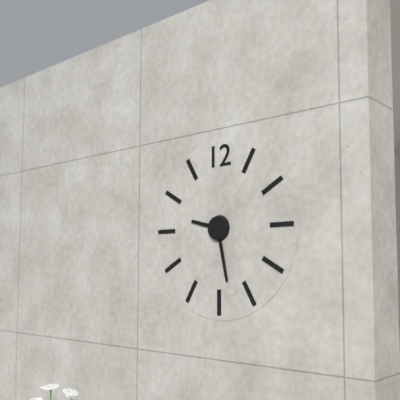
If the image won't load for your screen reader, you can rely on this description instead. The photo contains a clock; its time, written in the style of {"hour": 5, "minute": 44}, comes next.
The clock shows {"hour": 9, "minute": 28}
